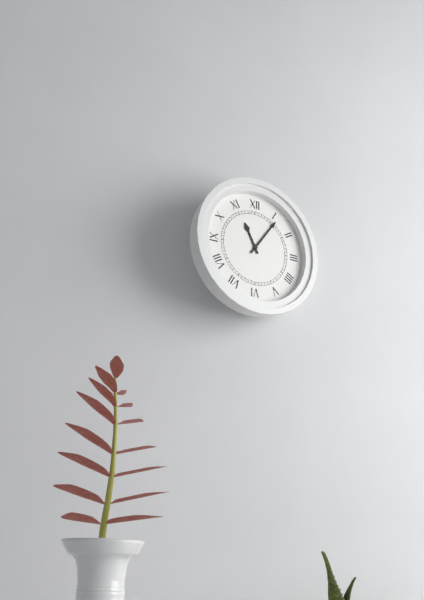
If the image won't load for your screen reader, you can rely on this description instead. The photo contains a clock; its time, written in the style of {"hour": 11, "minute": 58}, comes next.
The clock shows {"hour": 11, "minute": 6}
